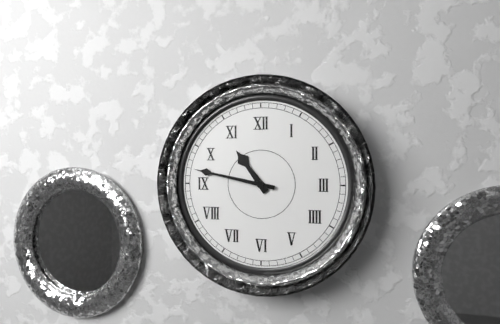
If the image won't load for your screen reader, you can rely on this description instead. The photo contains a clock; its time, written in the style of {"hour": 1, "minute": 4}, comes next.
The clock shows {"hour": 10, "minute": 47}
